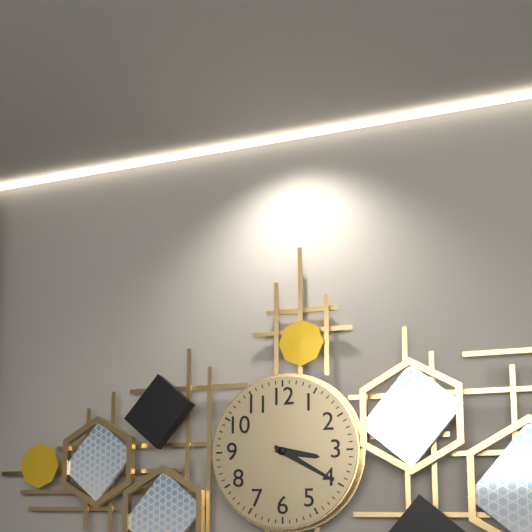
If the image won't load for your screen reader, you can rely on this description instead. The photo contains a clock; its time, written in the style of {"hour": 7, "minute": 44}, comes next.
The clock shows {"hour": 3, "minute": 20}
